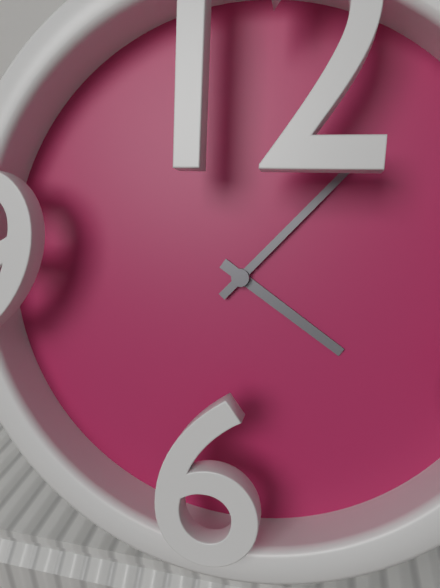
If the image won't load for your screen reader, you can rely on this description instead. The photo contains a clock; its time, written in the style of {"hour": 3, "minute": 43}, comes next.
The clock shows {"hour": 4, "minute": 7}
